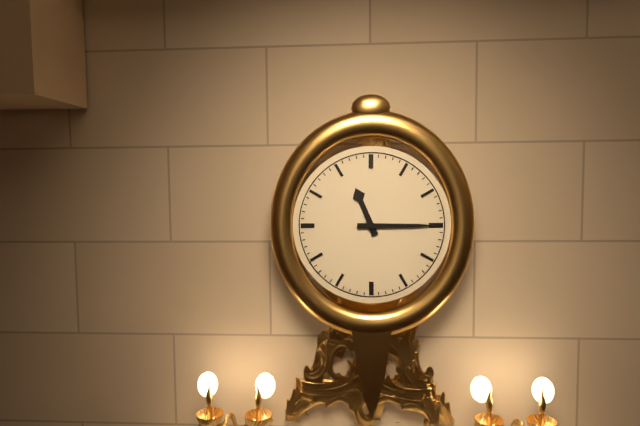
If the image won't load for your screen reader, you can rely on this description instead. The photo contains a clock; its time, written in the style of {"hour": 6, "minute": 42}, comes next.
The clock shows {"hour": 11, "minute": 15}
